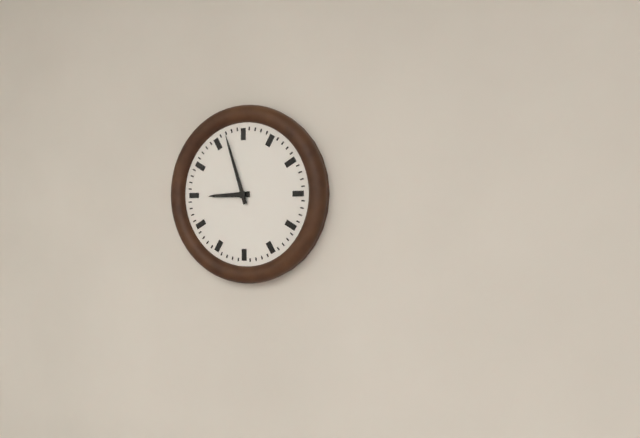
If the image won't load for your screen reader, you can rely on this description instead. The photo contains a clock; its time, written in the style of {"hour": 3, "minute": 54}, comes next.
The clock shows {"hour": 8, "minute": 57}
